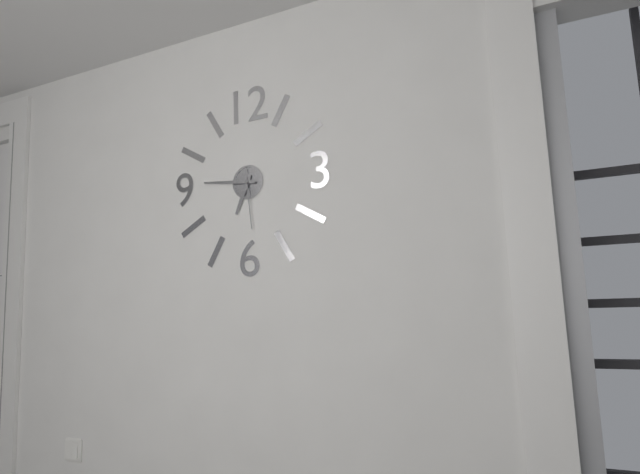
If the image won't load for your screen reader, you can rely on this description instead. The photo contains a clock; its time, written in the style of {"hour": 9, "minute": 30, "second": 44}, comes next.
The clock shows {"hour": 6, "minute": 46, "second": 29}
